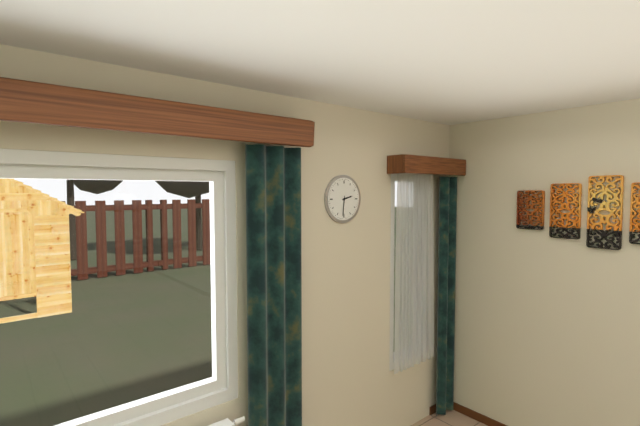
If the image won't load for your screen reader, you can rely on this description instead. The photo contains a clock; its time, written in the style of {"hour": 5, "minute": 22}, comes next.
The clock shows {"hour": 2, "minute": 31}
